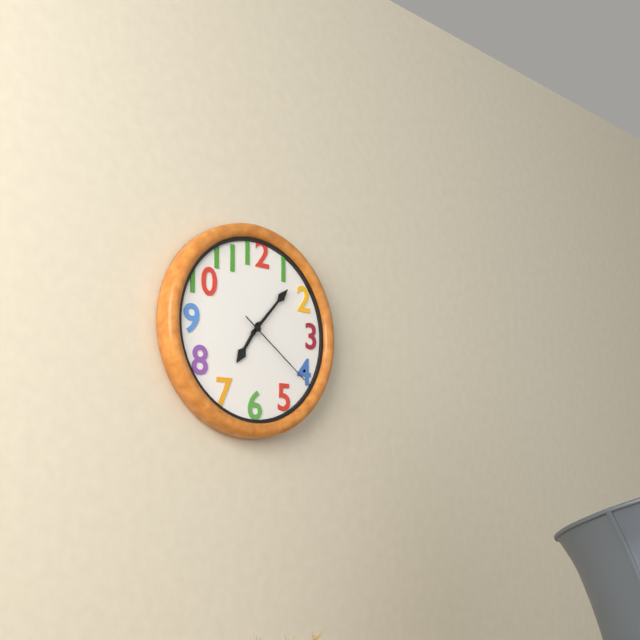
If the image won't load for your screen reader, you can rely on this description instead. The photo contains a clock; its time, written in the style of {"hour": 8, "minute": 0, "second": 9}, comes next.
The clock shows {"hour": 7, "minute": 7, "second": 21}
